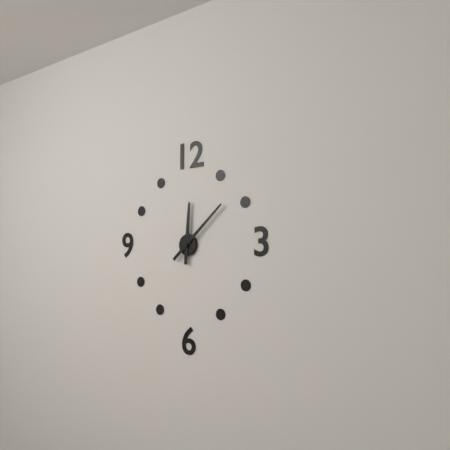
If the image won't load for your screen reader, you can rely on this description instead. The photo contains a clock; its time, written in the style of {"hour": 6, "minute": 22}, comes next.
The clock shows {"hour": 12, "minute": 8}
